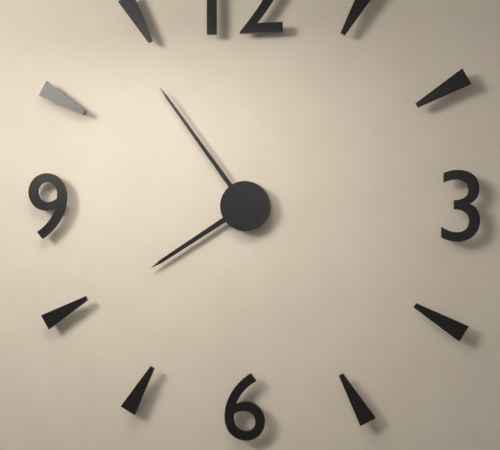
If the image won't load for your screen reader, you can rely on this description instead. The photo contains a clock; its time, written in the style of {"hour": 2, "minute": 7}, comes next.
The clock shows {"hour": 7, "minute": 54}
